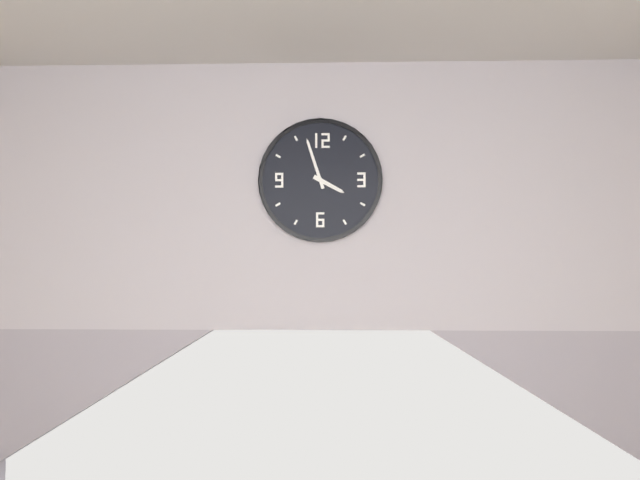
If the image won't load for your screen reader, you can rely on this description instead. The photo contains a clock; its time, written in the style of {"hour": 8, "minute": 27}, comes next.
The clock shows {"hour": 3, "minute": 57}
